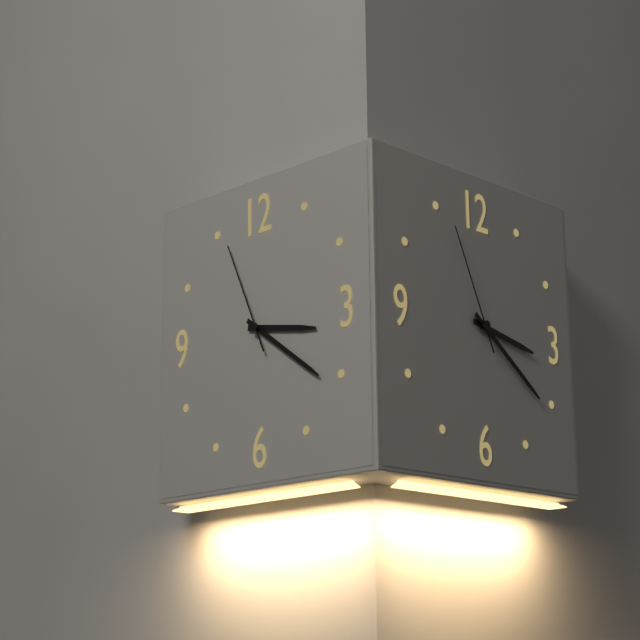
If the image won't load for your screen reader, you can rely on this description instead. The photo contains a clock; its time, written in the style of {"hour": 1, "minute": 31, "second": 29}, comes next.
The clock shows {"hour": 3, "minute": 21, "second": 56}
